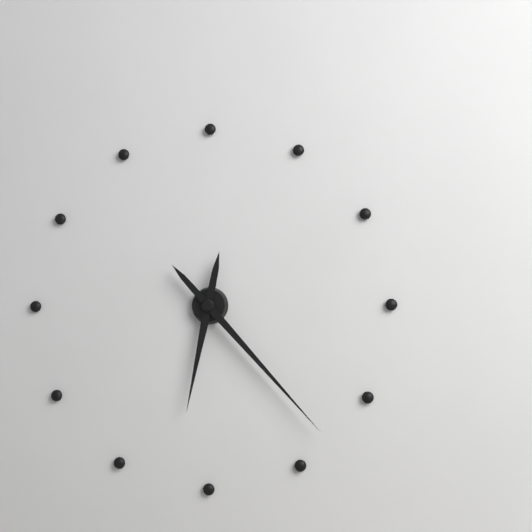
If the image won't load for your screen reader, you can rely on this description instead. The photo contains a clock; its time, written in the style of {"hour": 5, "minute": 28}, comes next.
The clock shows {"hour": 6, "minute": 23}
